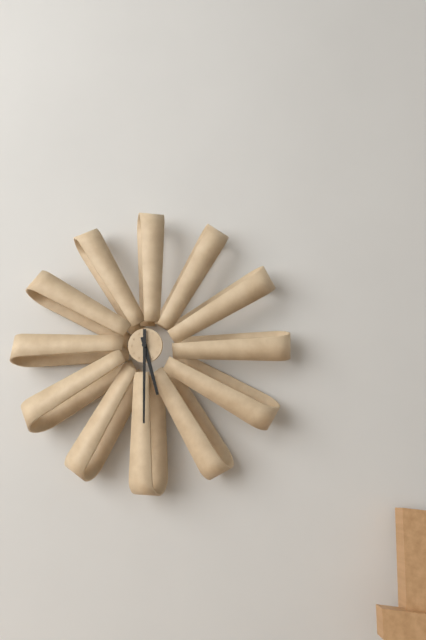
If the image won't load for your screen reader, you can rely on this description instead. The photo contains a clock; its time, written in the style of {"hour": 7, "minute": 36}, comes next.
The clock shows {"hour": 5, "minute": 30}
